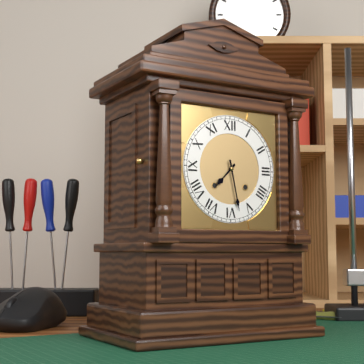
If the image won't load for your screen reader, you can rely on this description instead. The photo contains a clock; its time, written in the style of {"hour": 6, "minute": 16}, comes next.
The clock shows {"hour": 7, "minute": 28}
